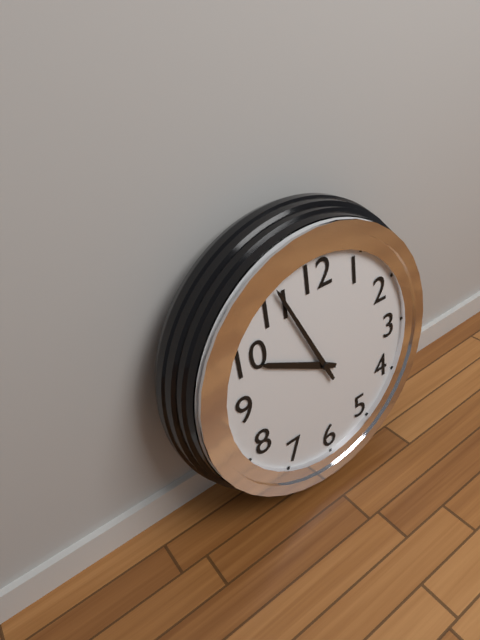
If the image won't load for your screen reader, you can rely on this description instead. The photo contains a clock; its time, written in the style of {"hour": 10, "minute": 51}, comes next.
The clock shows {"hour": 9, "minute": 56}
